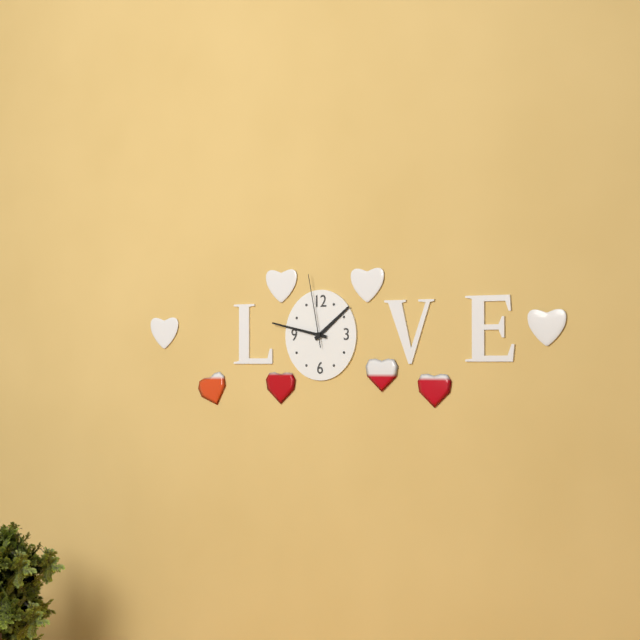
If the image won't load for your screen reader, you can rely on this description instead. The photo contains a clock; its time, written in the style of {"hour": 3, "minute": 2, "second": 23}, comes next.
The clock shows {"hour": 1, "minute": 47, "second": 58}
